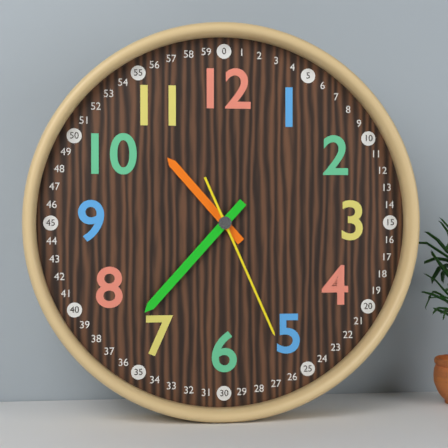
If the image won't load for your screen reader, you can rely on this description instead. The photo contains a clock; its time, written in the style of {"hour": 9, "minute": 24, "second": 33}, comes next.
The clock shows {"hour": 10, "minute": 37, "second": 26}
